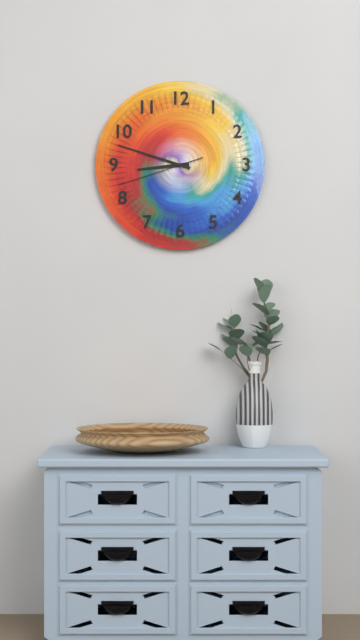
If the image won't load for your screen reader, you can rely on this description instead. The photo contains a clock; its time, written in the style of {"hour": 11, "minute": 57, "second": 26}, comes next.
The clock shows {"hour": 8, "minute": 48, "second": 42}
